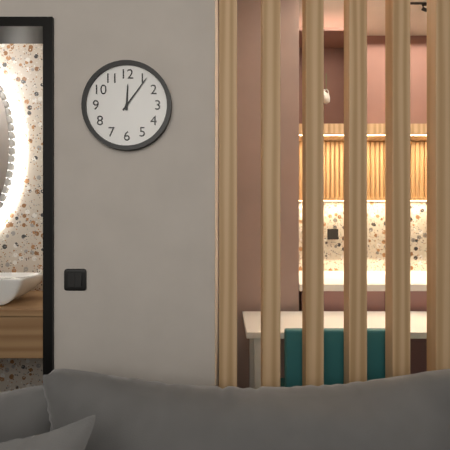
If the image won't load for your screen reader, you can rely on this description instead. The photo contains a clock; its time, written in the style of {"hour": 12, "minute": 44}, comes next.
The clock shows {"hour": 12, "minute": 6}
